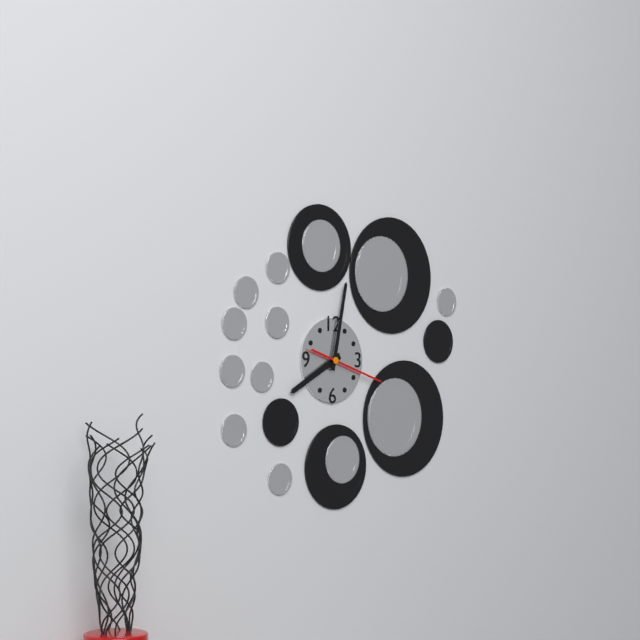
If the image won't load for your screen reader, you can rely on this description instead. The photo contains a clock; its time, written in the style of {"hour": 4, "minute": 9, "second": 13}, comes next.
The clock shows {"hour": 8, "minute": 2, "second": 18}
